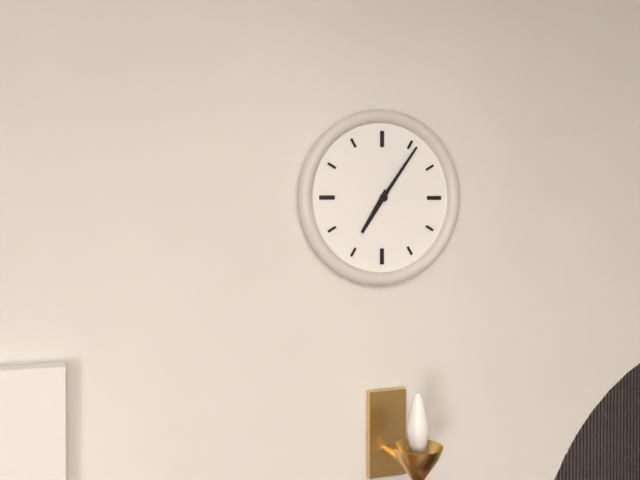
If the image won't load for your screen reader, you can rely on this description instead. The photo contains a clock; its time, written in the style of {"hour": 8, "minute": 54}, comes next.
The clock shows {"hour": 7, "minute": 6}
